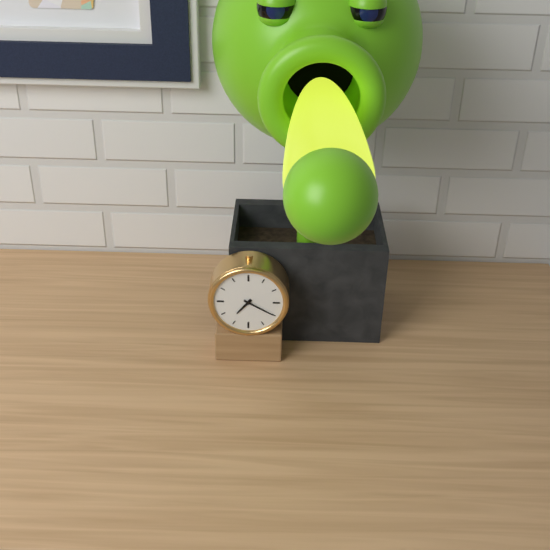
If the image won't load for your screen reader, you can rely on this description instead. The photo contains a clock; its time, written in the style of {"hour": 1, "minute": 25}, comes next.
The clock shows {"hour": 7, "minute": 20}
